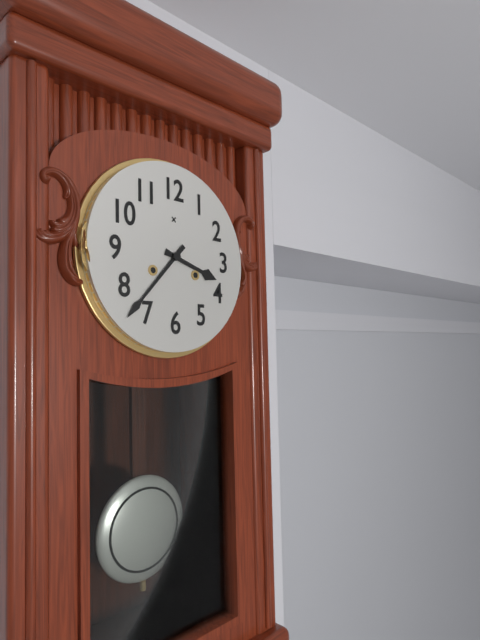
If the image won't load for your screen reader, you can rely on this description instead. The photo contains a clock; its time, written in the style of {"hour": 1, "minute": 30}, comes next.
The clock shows {"hour": 3, "minute": 37}
